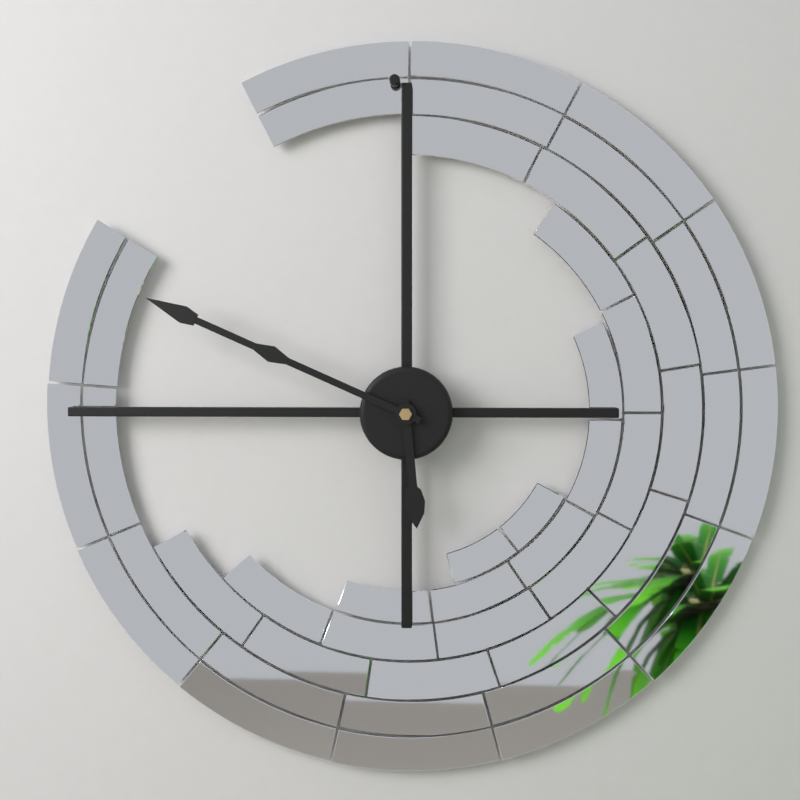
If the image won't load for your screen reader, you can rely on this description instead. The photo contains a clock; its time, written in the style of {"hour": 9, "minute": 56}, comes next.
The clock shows {"hour": 5, "minute": 49}
